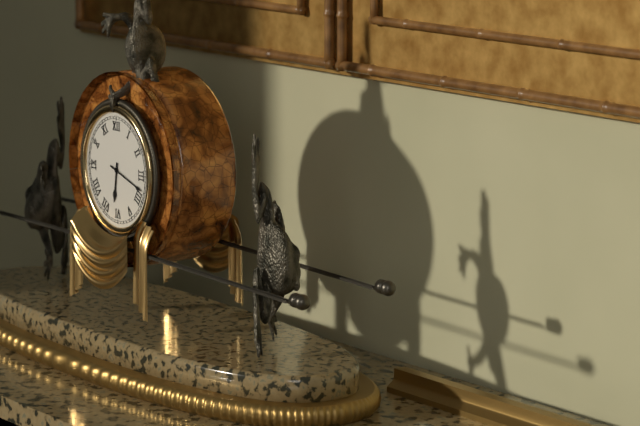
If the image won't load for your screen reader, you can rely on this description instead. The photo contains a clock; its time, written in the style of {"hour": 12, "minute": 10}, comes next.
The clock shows {"hour": 6, "minute": 18}
